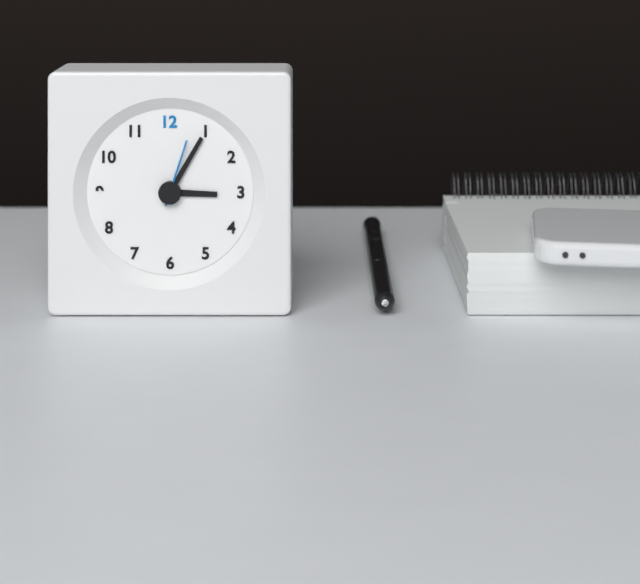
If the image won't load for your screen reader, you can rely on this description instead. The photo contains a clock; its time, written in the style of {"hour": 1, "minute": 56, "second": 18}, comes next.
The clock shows {"hour": 3, "minute": 5, "second": 3}
